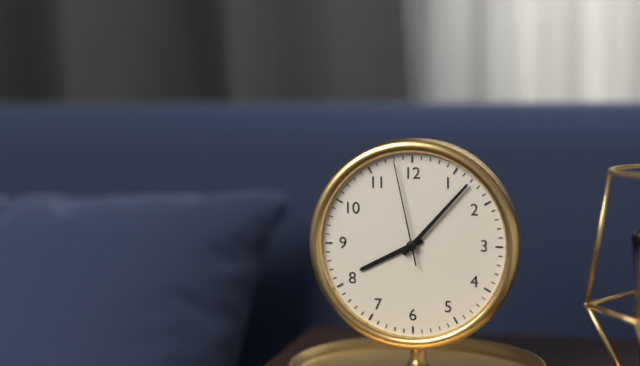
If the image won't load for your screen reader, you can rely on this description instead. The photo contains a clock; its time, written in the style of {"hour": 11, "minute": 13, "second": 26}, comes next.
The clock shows {"hour": 8, "minute": 7, "second": 58}
